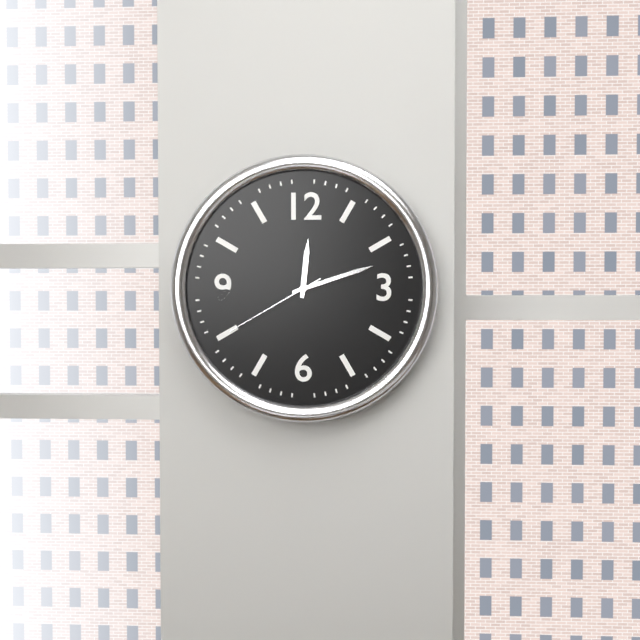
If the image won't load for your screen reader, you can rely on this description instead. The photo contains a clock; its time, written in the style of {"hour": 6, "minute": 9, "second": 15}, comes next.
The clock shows {"hour": 12, "minute": 12, "second": 40}
